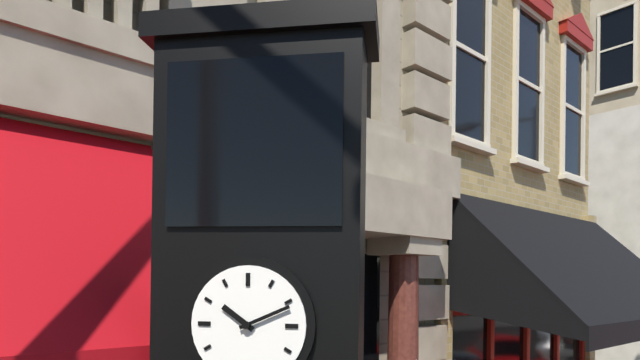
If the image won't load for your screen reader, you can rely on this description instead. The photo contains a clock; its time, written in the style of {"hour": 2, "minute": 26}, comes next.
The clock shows {"hour": 10, "minute": 11}
